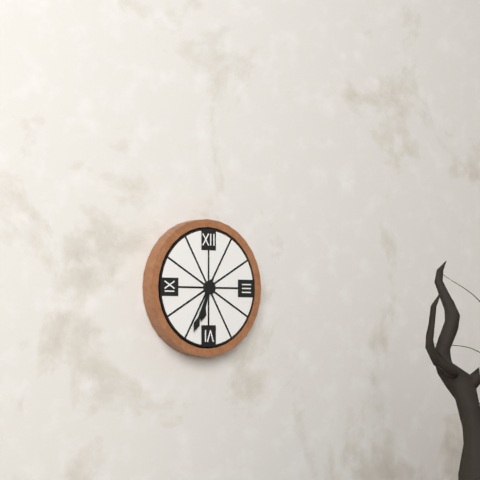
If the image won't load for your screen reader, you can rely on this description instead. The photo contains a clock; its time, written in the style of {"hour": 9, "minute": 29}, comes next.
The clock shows {"hour": 6, "minute": 34}
